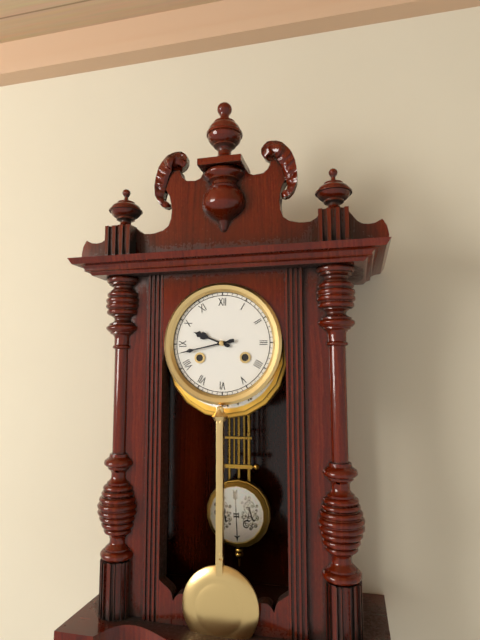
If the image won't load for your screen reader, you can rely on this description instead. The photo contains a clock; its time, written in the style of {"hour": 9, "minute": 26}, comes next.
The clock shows {"hour": 9, "minute": 43}
